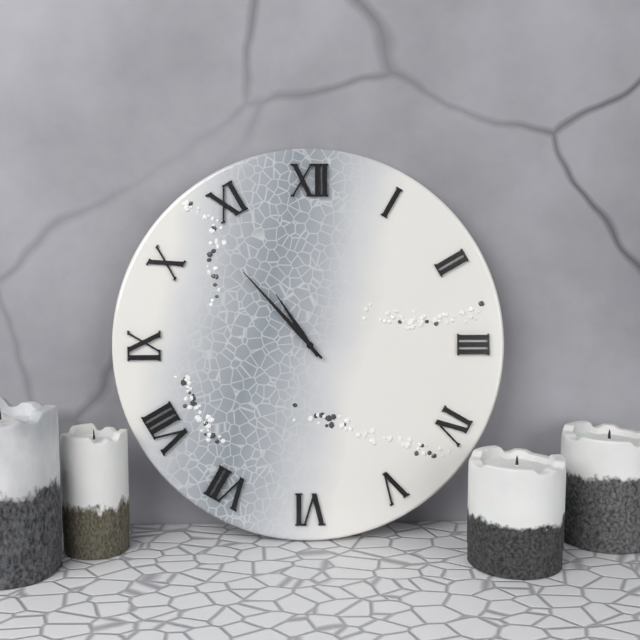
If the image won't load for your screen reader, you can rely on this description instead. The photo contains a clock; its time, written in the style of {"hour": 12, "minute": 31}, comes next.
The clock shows {"hour": 10, "minute": 53}
